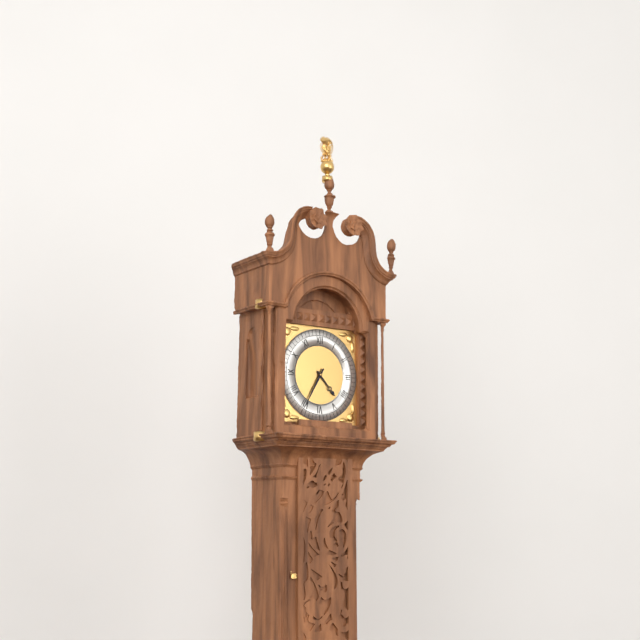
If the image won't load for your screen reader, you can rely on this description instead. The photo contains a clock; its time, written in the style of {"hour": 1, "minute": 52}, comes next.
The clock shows {"hour": 4, "minute": 35}
